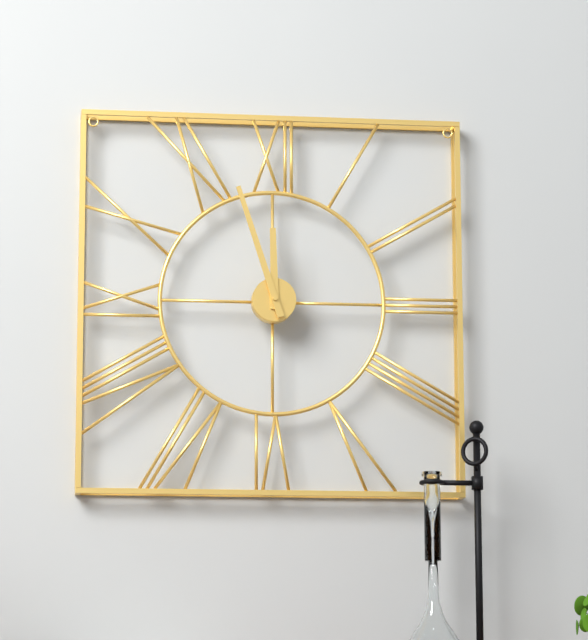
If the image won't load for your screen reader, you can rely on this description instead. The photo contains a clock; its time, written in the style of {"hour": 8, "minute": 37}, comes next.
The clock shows {"hour": 11, "minute": 57}
